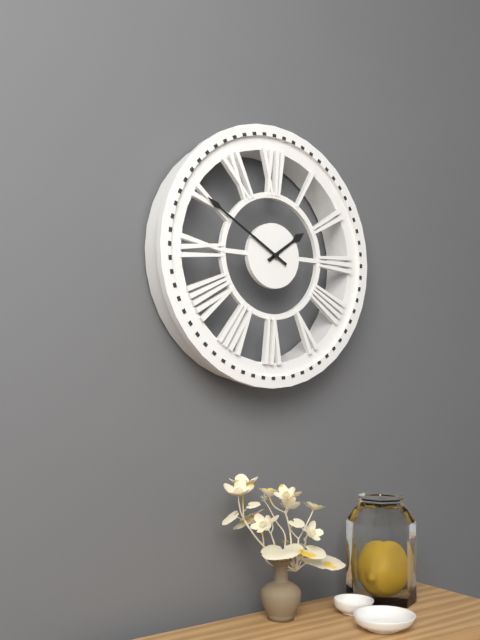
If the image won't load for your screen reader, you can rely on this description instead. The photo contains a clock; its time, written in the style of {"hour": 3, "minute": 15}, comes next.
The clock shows {"hour": 1, "minute": 50}
